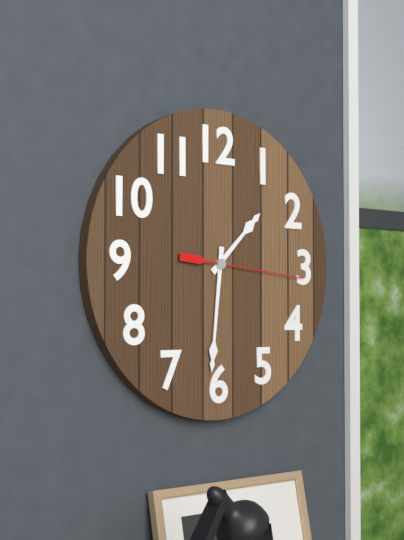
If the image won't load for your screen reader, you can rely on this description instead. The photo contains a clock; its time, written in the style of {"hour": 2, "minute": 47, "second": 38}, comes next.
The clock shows {"hour": 1, "minute": 31, "second": 16}
